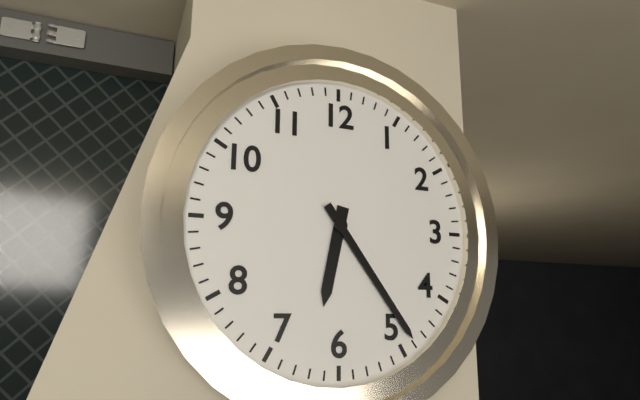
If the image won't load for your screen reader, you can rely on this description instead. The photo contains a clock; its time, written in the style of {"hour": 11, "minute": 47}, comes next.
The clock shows {"hour": 6, "minute": 24}
